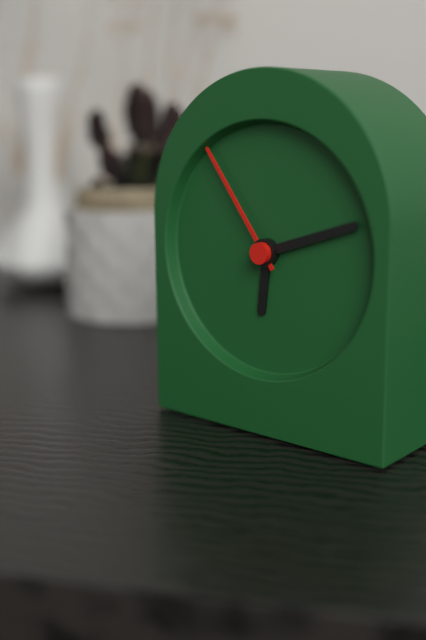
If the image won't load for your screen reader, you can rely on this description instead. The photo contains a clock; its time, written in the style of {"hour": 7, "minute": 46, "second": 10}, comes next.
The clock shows {"hour": 6, "minute": 12, "second": 54}
